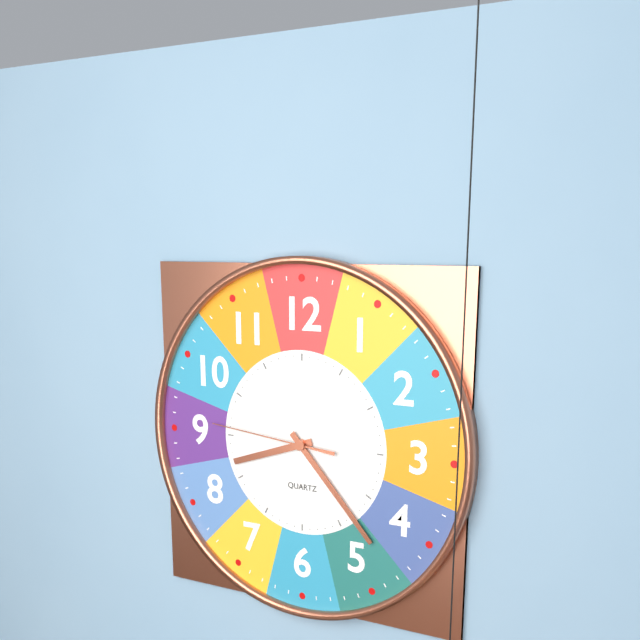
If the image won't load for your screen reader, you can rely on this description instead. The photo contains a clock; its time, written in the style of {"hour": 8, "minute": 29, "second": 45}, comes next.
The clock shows {"hour": 8, "minute": 23, "second": 46}
